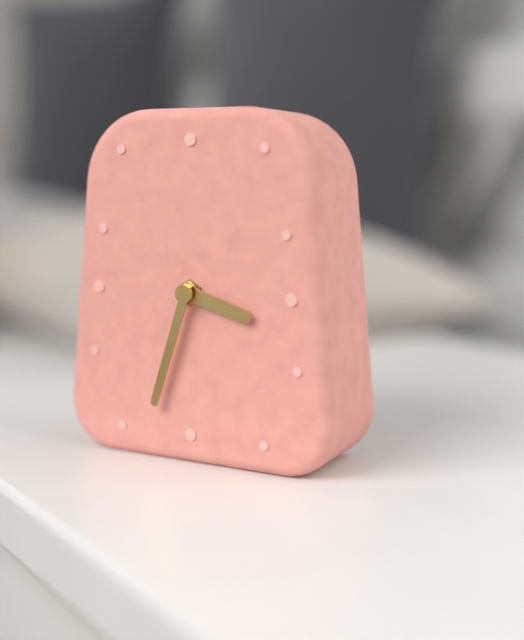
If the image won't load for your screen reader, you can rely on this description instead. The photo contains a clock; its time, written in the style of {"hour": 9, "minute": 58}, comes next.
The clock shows {"hour": 3, "minute": 33}
